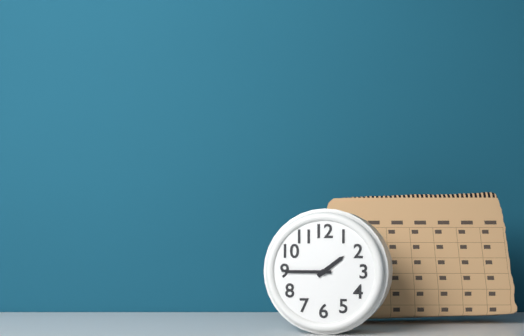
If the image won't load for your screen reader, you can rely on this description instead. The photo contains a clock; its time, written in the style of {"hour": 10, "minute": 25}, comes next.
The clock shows {"hour": 1, "minute": 45}
